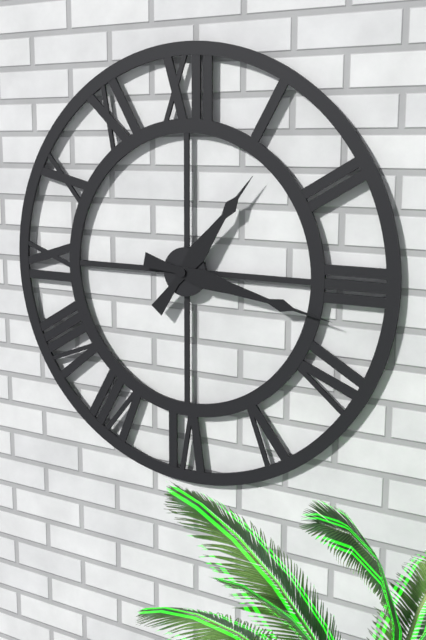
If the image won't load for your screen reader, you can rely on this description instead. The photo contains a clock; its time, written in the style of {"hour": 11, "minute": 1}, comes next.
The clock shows {"hour": 1, "minute": 17}
